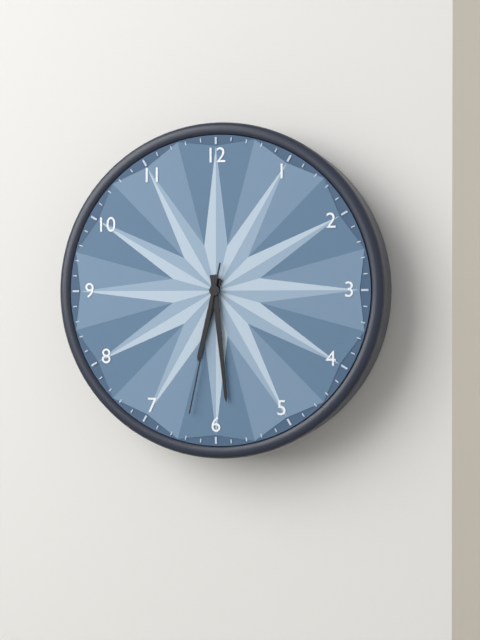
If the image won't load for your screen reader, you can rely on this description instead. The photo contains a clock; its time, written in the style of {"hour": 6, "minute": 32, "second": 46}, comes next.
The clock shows {"hour": 6, "minute": 29, "second": 32}
